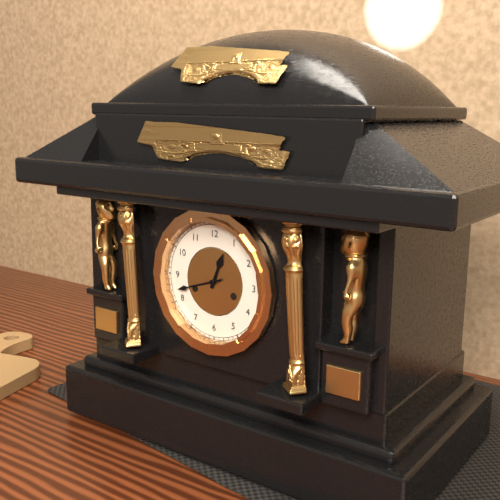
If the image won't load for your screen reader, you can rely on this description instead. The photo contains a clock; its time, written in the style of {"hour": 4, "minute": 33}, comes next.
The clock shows {"hour": 12, "minute": 42}
